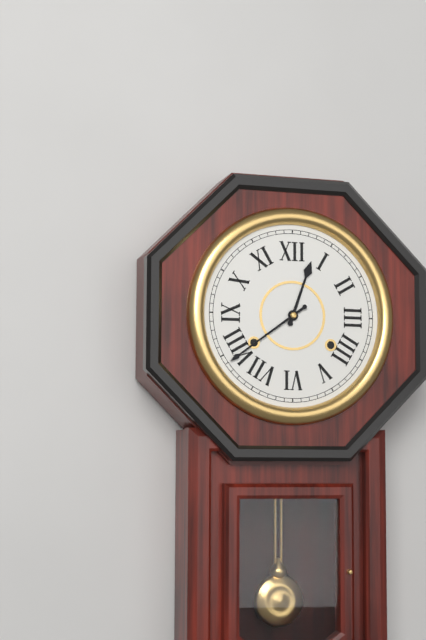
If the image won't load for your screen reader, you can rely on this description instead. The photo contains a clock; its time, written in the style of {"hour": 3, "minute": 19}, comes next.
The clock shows {"hour": 12, "minute": 39}
